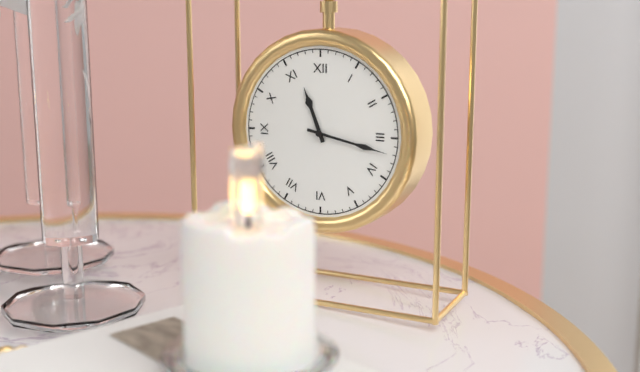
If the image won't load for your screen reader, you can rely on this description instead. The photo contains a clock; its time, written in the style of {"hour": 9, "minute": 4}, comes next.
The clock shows {"hour": 11, "minute": 17}
